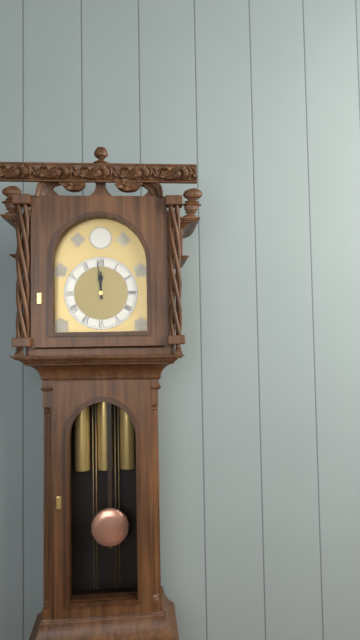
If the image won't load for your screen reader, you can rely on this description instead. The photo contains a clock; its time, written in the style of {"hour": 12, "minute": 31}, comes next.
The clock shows {"hour": 11, "minute": 59}
